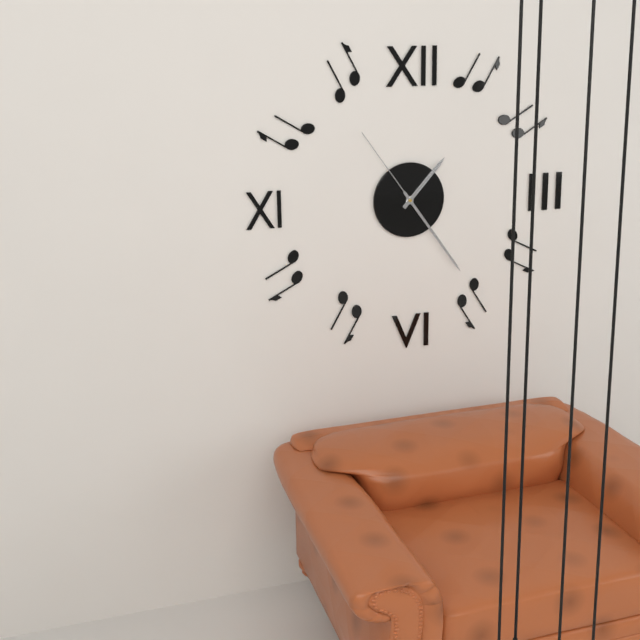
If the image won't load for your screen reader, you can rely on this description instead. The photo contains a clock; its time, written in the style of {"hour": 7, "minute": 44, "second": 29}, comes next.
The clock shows {"hour": 1, "minute": 24, "second": 54}
